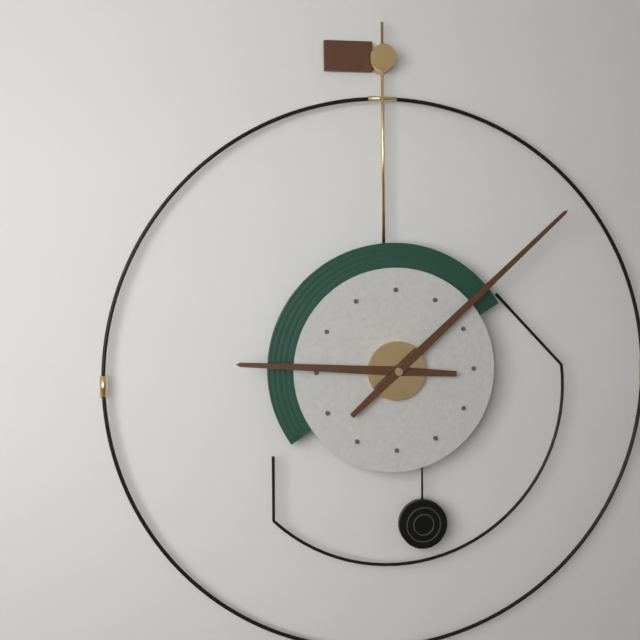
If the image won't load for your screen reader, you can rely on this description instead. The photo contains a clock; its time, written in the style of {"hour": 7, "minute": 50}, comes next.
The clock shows {"hour": 9, "minute": 8}
